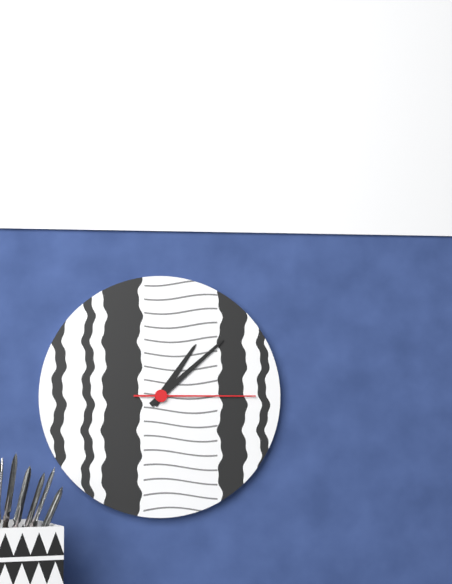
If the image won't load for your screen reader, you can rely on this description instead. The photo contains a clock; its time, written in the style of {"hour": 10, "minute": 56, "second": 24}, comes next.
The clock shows {"hour": 1, "minute": 8, "second": 15}
